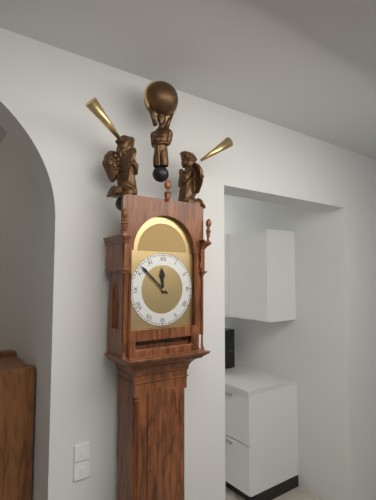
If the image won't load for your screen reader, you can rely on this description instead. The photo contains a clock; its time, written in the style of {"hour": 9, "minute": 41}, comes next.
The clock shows {"hour": 11, "minute": 52}
